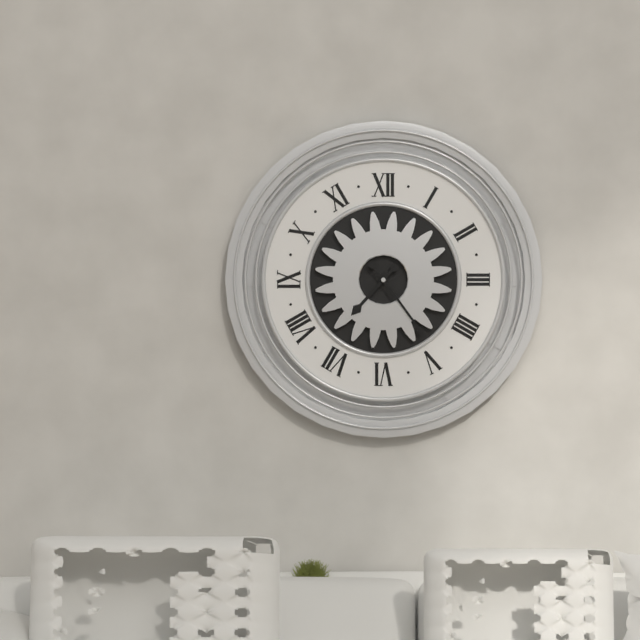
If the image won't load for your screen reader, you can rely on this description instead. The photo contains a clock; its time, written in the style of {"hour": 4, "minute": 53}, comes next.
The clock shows {"hour": 7, "minute": 24}
